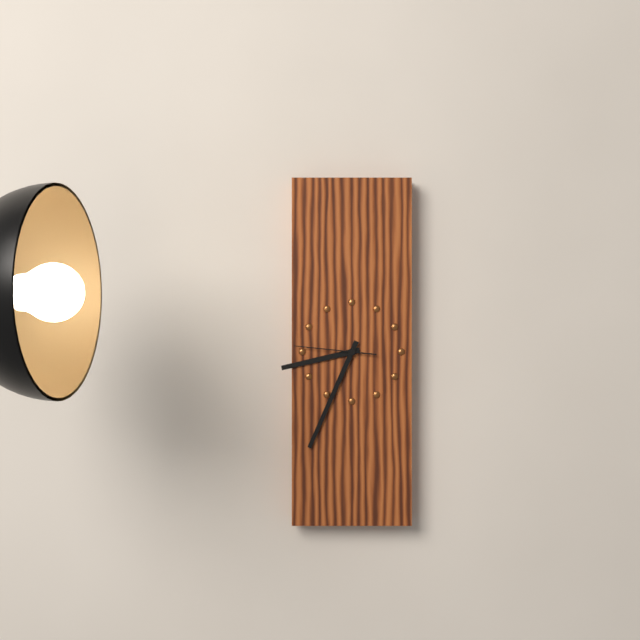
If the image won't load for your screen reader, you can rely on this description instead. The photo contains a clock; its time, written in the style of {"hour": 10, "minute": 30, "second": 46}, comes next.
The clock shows {"hour": 8, "minute": 34, "second": 46}
